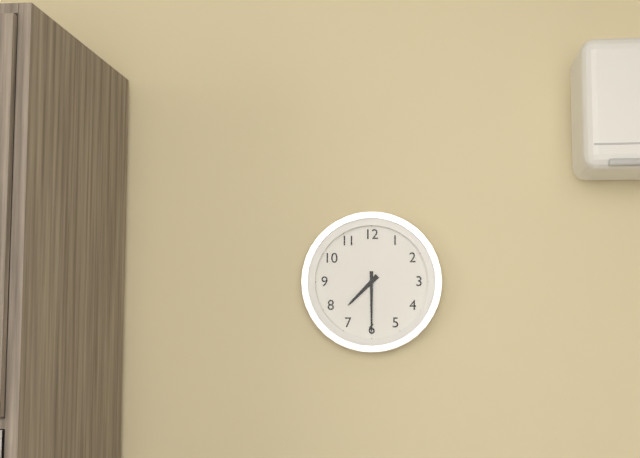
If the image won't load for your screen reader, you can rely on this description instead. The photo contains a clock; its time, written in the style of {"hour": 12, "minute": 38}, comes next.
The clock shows {"hour": 7, "minute": 30}
